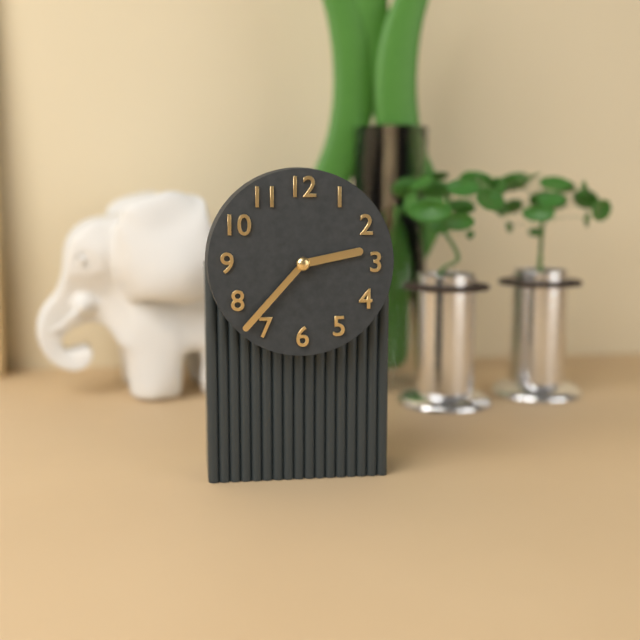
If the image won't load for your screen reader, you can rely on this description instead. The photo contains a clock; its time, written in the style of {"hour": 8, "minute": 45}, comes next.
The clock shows {"hour": 2, "minute": 37}
